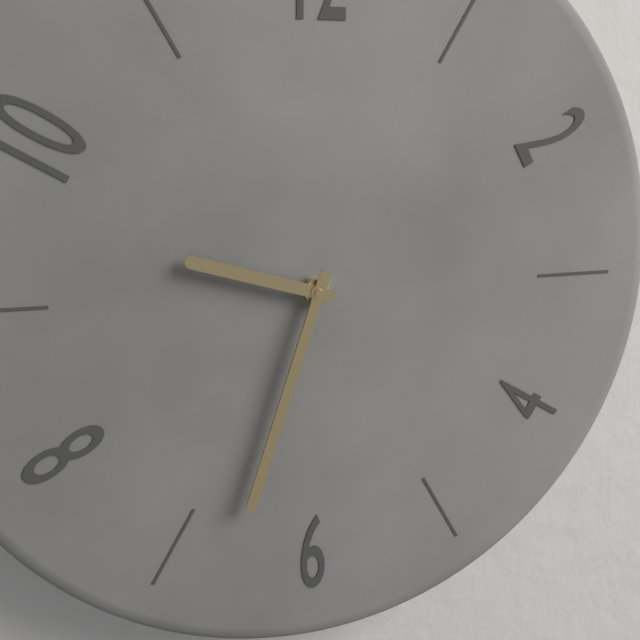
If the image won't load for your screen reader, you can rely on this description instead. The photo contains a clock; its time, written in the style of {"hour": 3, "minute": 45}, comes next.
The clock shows {"hour": 9, "minute": 33}
